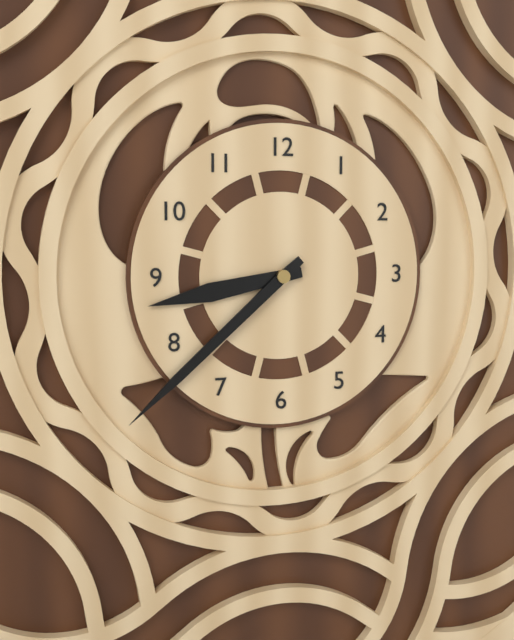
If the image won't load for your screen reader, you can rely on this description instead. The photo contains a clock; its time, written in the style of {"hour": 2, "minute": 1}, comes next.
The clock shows {"hour": 8, "minute": 38}
